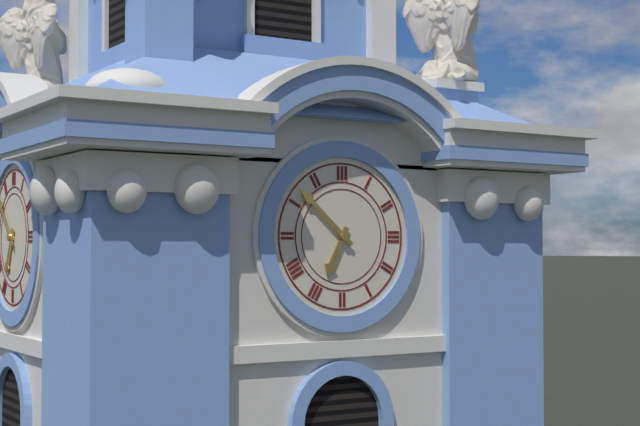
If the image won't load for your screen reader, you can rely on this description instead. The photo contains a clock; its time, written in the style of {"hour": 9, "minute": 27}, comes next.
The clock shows {"hour": 6, "minute": 52}
